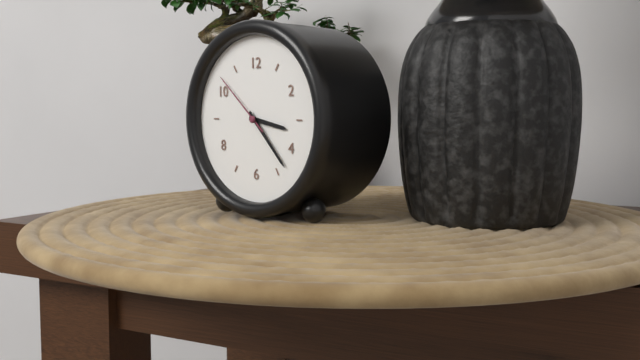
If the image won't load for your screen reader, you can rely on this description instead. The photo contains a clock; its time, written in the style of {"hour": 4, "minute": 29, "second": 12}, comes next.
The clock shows {"hour": 3, "minute": 23, "second": 52}
